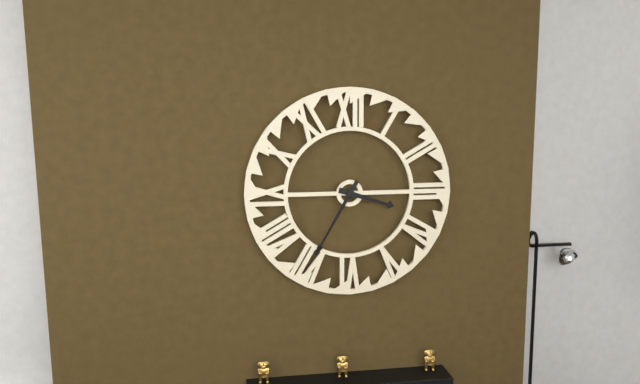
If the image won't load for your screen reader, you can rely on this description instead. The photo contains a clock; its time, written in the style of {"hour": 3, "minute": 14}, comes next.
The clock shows {"hour": 3, "minute": 35}
